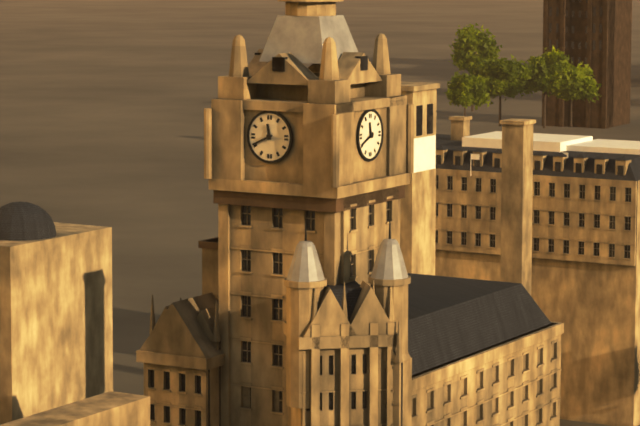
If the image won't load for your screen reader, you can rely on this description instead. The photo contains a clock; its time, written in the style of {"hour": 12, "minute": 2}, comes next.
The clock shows {"hour": 11, "minute": 41}
